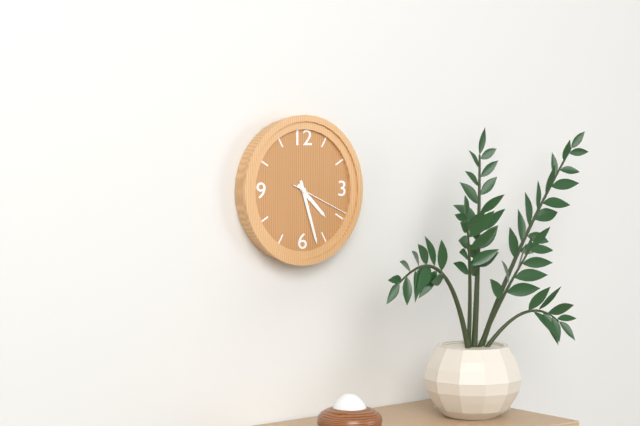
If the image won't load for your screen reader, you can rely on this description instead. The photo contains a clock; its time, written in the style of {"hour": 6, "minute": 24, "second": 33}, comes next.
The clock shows {"hour": 4, "minute": 27, "second": 19}
